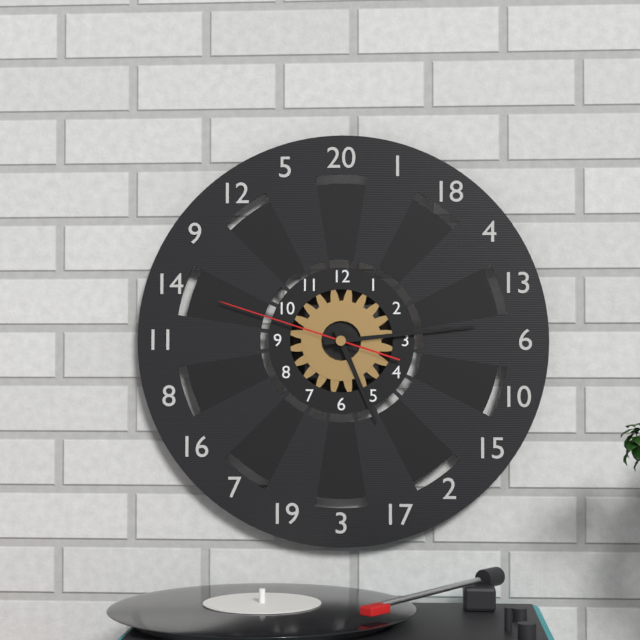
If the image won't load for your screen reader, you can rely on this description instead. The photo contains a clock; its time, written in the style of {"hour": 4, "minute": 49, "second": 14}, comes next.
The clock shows {"hour": 5, "minute": 14, "second": 48}
